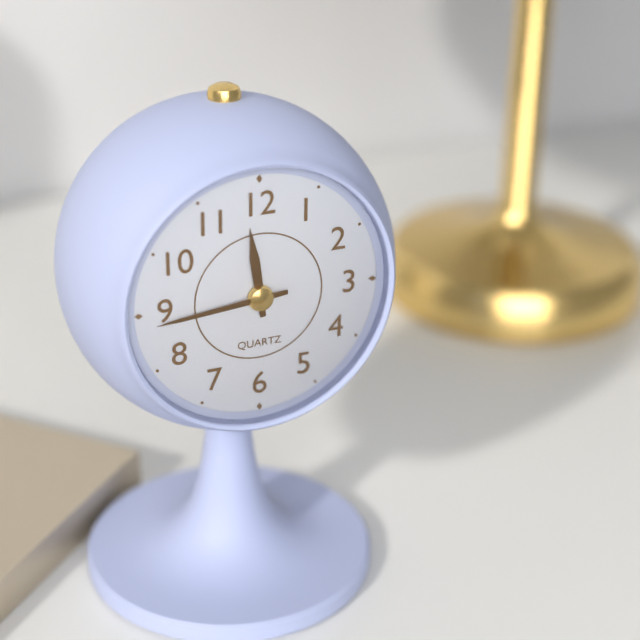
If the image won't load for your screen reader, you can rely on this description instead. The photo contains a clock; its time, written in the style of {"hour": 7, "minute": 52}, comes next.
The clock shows {"hour": 11, "minute": 44}
